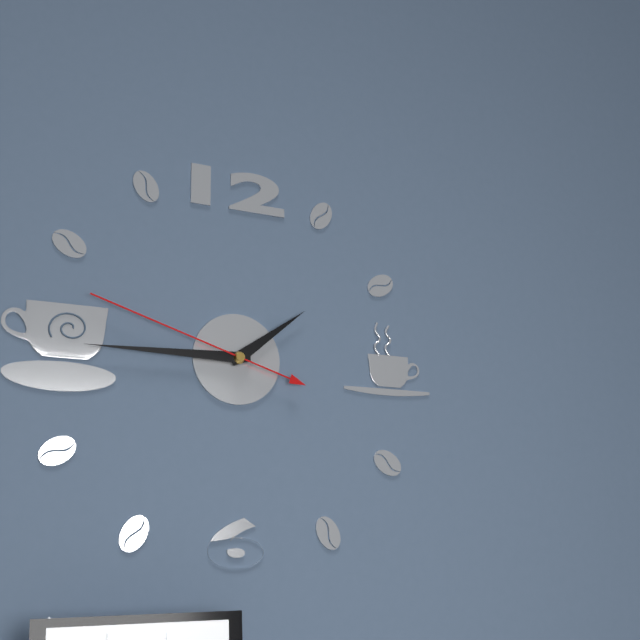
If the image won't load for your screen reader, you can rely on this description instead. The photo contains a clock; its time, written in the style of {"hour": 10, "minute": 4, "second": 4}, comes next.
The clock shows {"hour": 1, "minute": 45, "second": 48}
